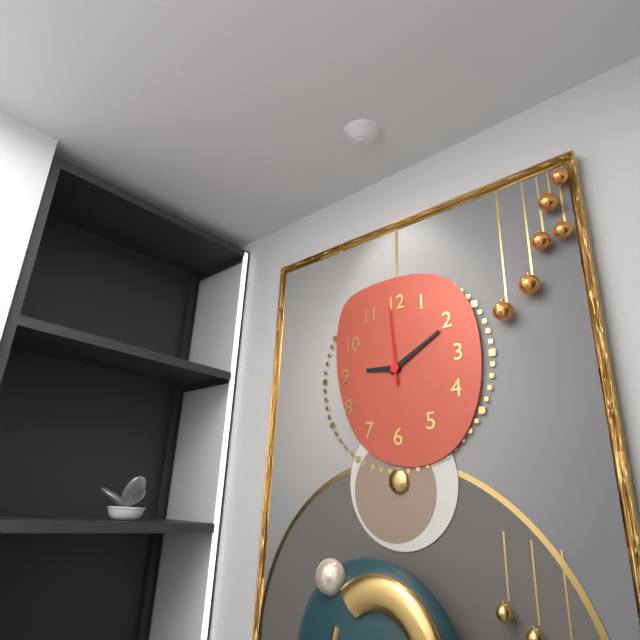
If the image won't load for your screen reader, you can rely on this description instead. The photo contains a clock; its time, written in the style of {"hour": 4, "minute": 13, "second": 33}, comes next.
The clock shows {"hour": 9, "minute": 10, "second": 59}
